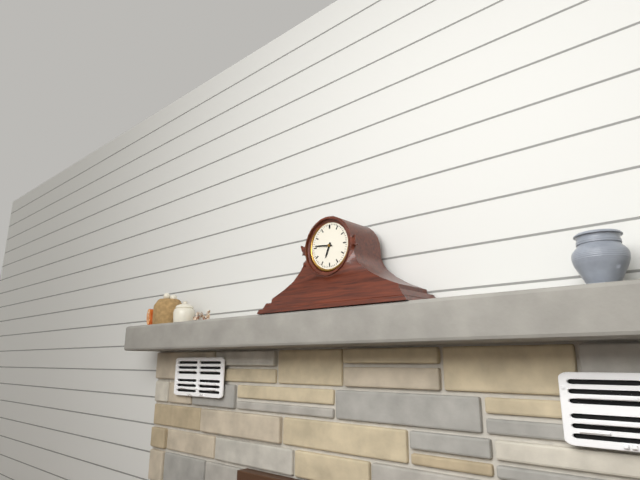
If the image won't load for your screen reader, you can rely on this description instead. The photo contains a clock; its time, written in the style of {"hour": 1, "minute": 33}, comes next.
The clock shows {"hour": 6, "minute": 46}
